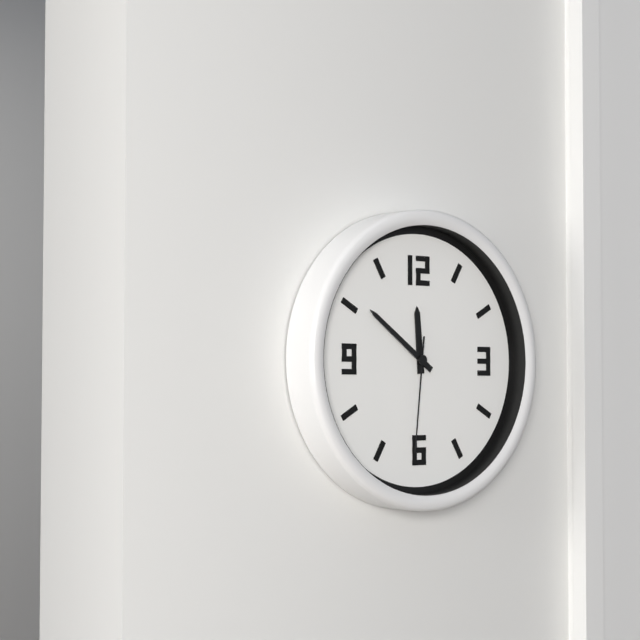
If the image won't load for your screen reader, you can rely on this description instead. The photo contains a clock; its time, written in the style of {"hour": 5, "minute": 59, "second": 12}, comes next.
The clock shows {"hour": 11, "minute": 51, "second": 31}
